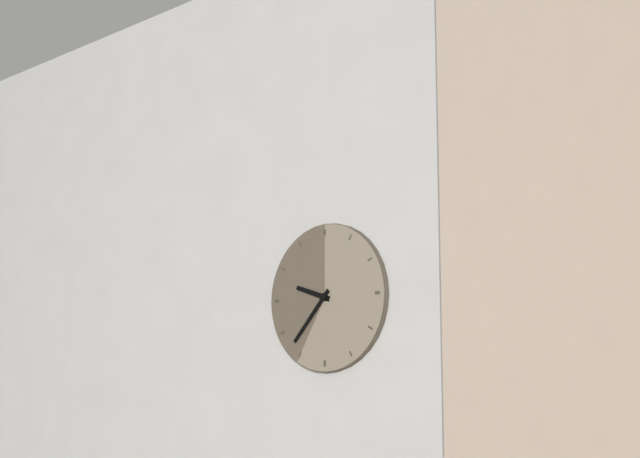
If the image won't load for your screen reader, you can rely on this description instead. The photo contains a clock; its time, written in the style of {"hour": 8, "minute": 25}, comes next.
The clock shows {"hour": 9, "minute": 37}
